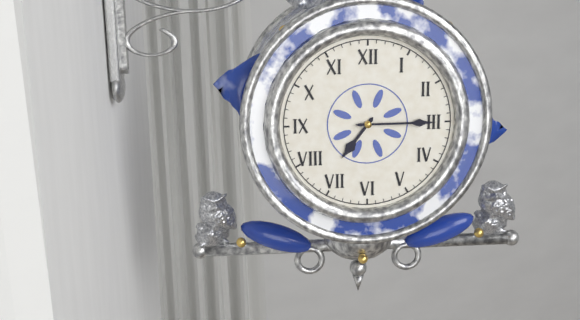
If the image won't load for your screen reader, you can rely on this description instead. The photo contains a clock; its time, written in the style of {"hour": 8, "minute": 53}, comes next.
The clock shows {"hour": 7, "minute": 15}
